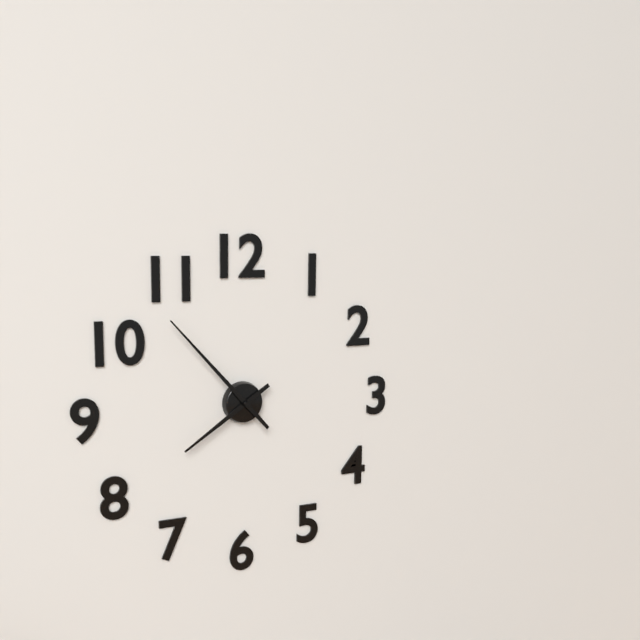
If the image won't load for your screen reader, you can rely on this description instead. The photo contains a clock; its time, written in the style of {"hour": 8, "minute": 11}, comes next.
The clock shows {"hour": 7, "minute": 53}
